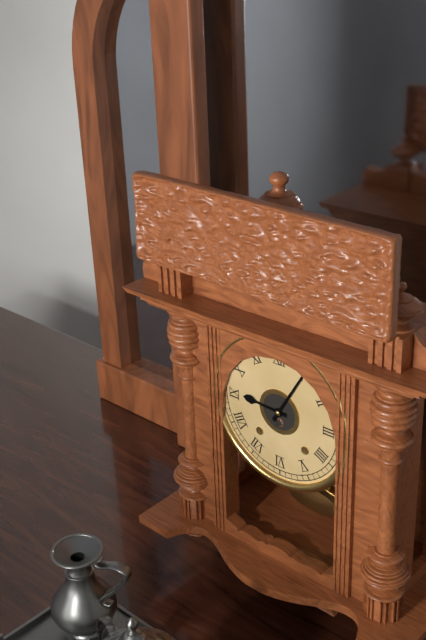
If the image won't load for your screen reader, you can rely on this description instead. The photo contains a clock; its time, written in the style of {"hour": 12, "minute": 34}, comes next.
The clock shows {"hour": 9, "minute": 5}
